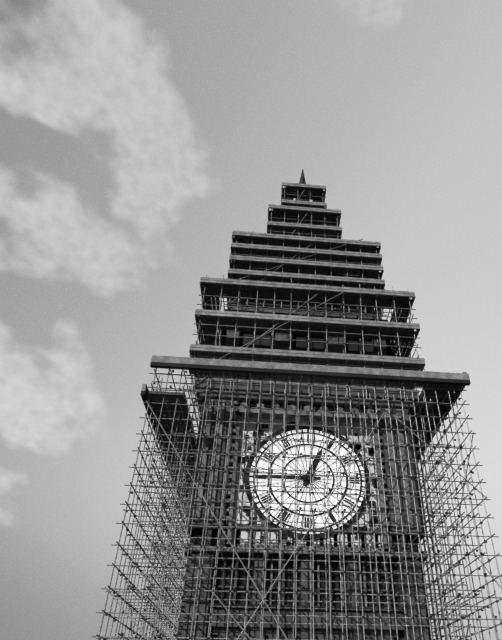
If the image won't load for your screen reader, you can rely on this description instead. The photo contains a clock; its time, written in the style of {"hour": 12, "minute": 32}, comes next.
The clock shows {"hour": 12, "minute": 45}
